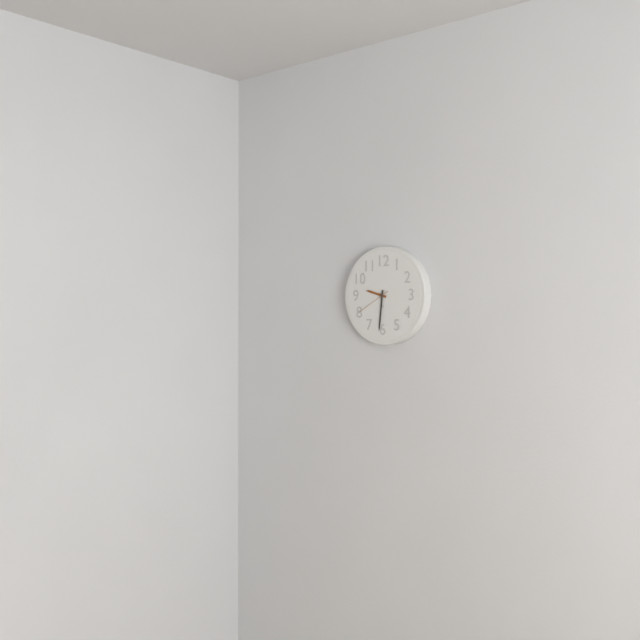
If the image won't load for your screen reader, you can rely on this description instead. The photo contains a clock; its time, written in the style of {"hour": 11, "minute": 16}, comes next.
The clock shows {"hour": 9, "minute": 31}
